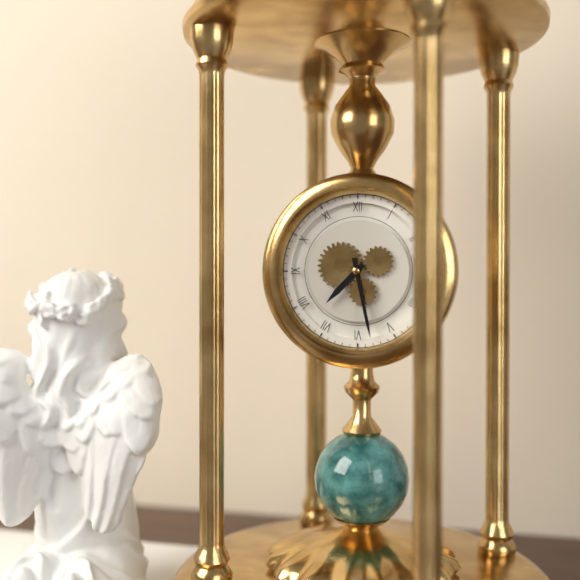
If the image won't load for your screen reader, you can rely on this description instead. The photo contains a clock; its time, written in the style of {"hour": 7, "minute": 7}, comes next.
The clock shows {"hour": 7, "minute": 28}
